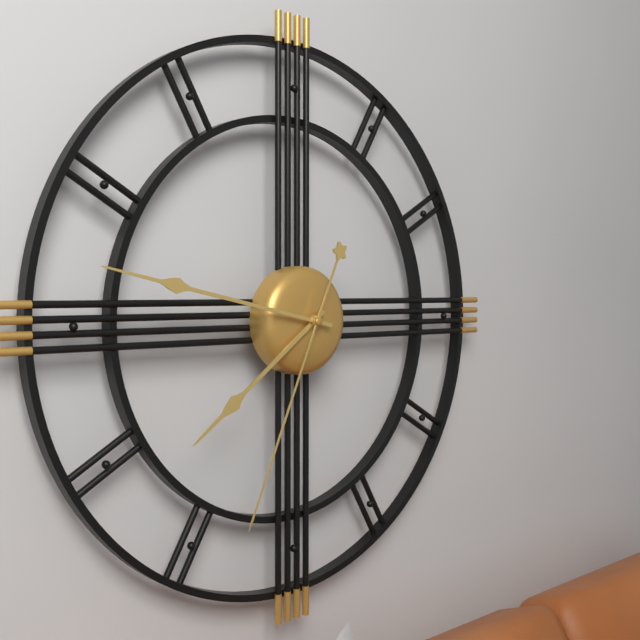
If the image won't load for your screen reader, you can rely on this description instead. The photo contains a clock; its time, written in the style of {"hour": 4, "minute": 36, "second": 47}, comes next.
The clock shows {"hour": 7, "minute": 47, "second": 34}
